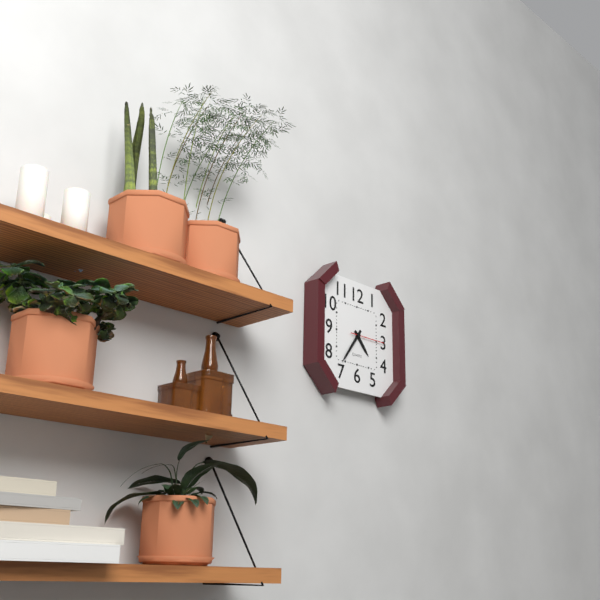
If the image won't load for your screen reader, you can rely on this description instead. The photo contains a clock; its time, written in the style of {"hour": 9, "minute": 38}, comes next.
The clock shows {"hour": 4, "minute": 36}
